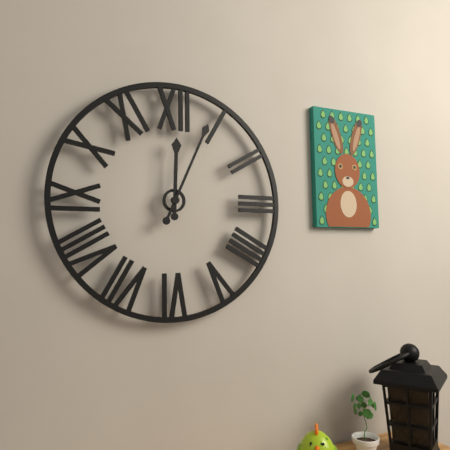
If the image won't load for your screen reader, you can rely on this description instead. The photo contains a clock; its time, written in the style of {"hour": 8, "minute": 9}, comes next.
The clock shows {"hour": 12, "minute": 4}
